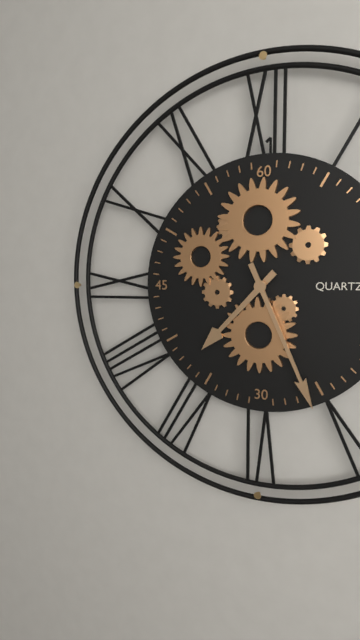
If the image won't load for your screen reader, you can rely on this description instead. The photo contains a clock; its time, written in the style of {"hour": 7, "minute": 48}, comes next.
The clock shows {"hour": 7, "minute": 26}
